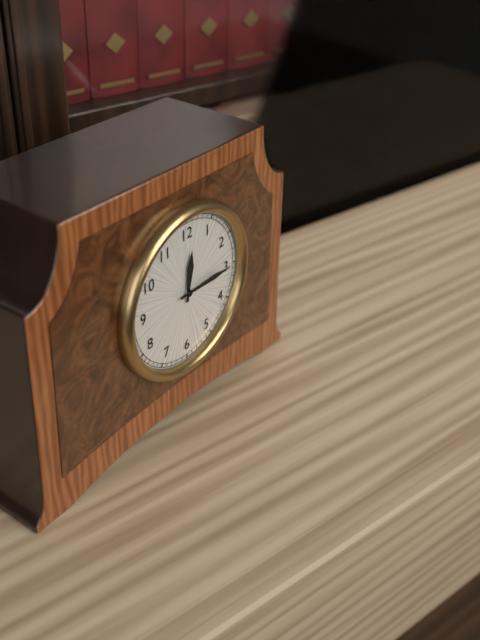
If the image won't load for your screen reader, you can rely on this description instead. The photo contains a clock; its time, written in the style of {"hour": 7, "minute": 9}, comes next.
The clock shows {"hour": 12, "minute": 15}
